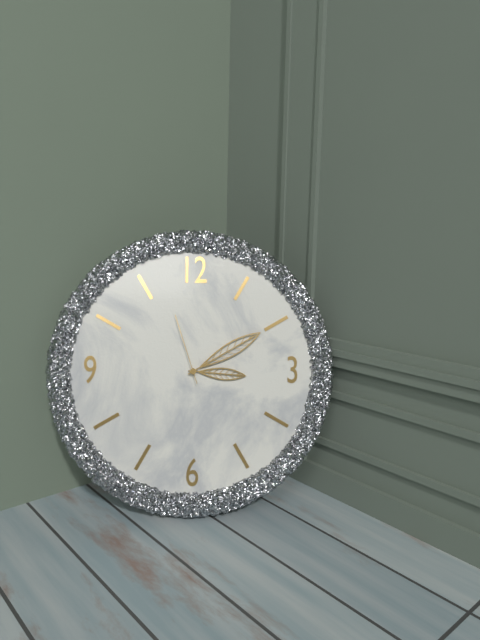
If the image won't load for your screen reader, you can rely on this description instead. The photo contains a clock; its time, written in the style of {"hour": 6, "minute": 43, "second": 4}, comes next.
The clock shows {"hour": 3, "minute": 10, "second": 57}
